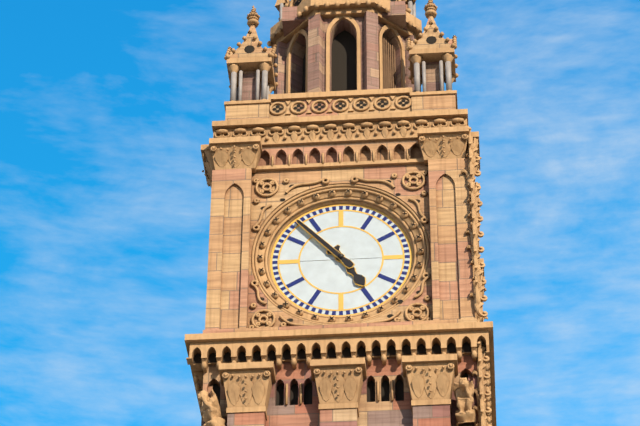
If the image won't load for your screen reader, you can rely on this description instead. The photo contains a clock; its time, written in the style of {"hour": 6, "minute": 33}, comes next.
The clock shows {"hour": 4, "minute": 53}
